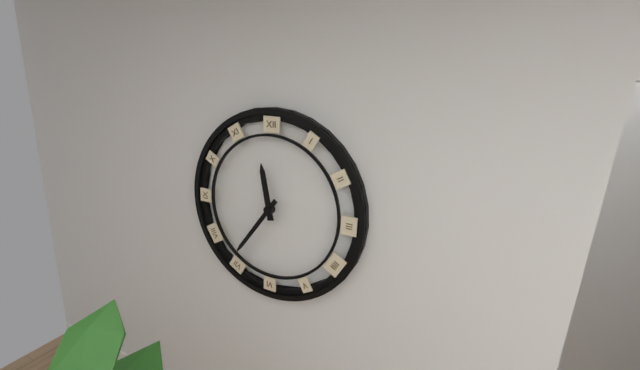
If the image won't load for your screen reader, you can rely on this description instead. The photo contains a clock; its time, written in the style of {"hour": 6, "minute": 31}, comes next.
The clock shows {"hour": 11, "minute": 36}
